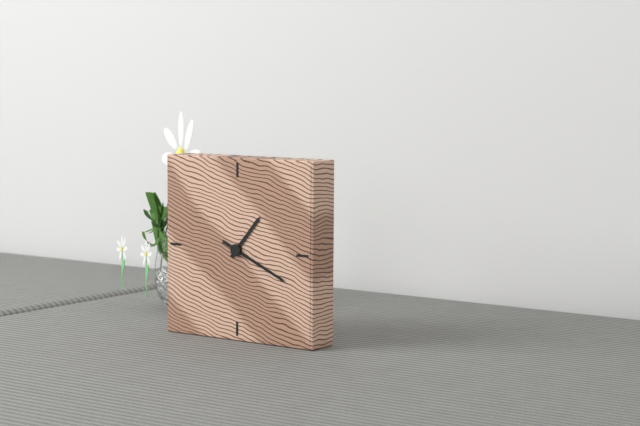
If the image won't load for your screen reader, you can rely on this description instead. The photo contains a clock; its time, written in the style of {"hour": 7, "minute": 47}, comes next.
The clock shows {"hour": 1, "minute": 19}
